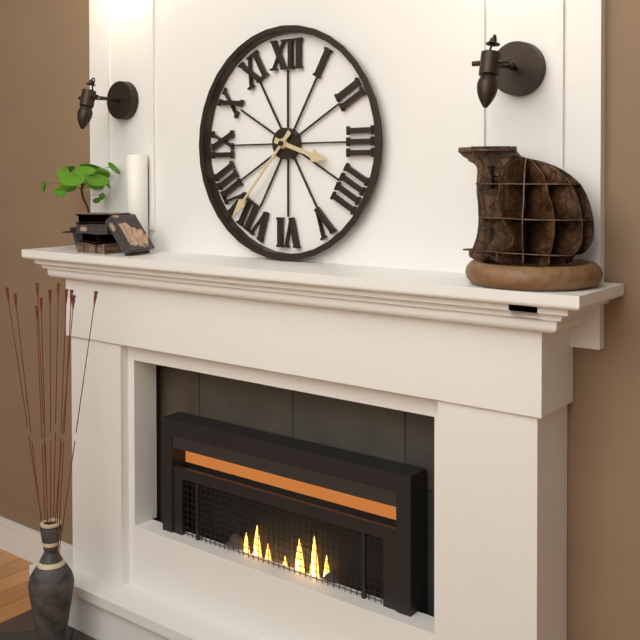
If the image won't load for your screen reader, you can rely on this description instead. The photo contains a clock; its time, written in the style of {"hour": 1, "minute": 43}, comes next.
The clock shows {"hour": 3, "minute": 37}
